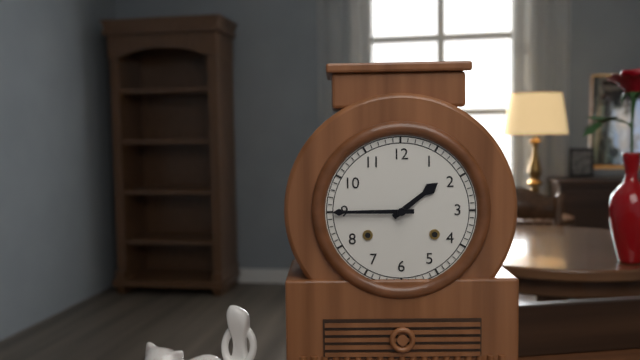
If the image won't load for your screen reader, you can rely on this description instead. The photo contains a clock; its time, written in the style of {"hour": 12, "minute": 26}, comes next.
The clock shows {"hour": 1, "minute": 45}
